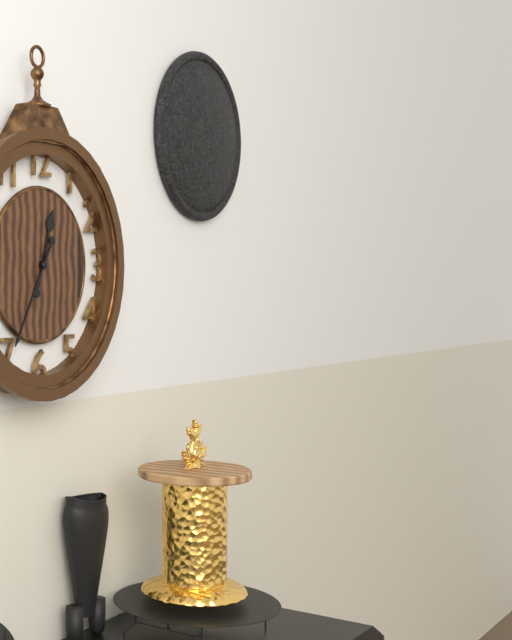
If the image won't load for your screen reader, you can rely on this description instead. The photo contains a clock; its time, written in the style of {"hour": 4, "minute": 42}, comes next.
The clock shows {"hour": 12, "minute": 35}
